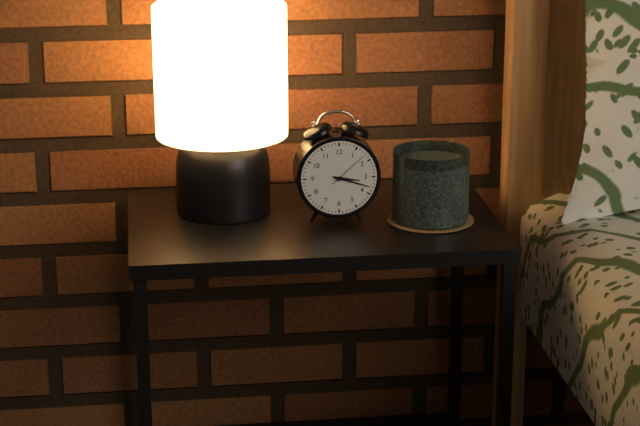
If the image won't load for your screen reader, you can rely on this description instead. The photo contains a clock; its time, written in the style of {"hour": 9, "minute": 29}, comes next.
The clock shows {"hour": 3, "minute": 18}
